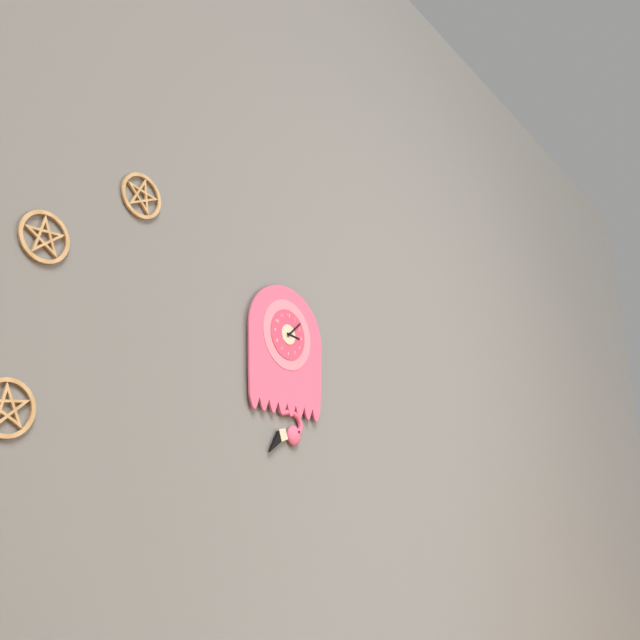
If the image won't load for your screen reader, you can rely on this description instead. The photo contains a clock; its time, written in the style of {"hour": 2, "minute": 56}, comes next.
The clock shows {"hour": 3, "minute": 8}
